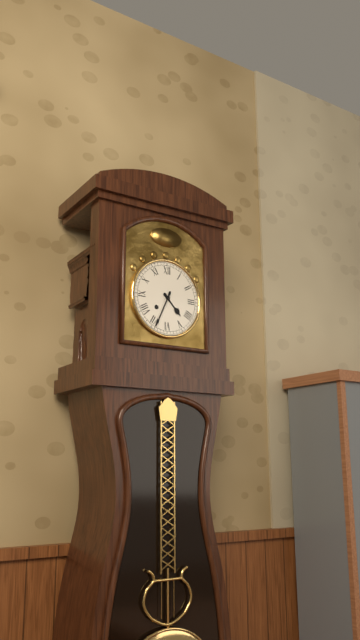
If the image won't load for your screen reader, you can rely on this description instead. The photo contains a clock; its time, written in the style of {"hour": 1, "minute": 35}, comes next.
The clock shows {"hour": 4, "minute": 34}
